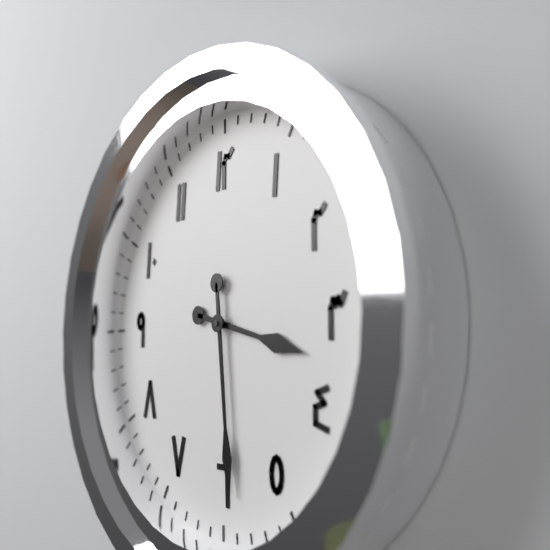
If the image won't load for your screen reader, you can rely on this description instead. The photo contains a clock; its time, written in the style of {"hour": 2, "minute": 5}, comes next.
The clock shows {"hour": 3, "minute": 29}
